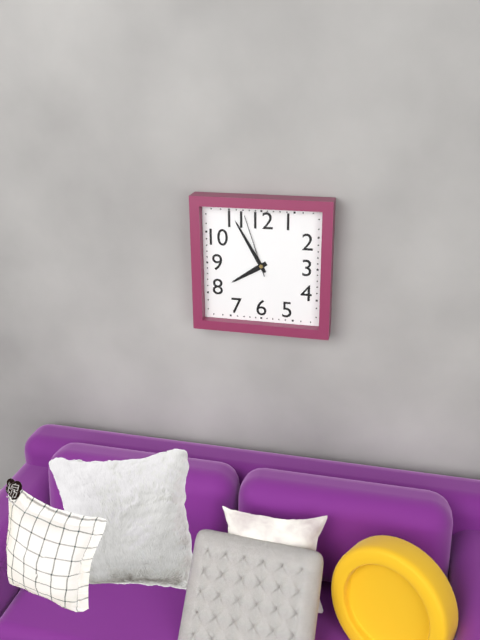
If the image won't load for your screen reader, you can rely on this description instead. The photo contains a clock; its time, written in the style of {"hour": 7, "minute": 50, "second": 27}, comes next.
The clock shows {"hour": 7, "minute": 55, "second": 57}
